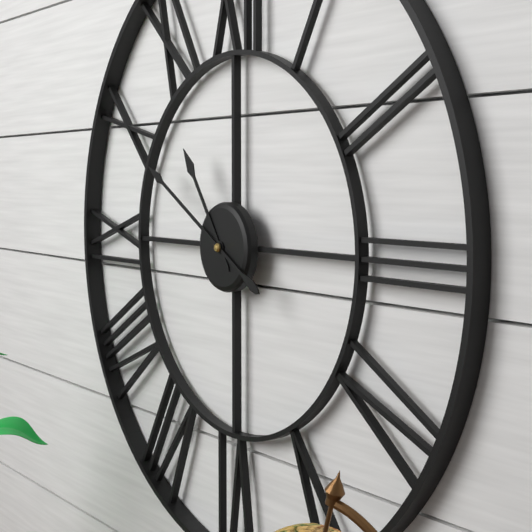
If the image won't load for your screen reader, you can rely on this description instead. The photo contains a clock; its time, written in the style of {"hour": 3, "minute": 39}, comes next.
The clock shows {"hour": 10, "minute": 50}
